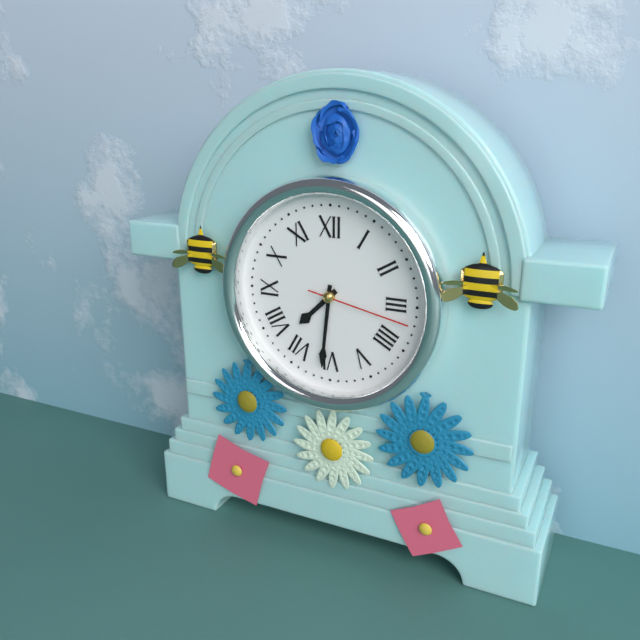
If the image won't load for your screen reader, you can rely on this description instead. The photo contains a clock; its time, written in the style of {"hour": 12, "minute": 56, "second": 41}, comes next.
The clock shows {"hour": 7, "minute": 31, "second": 17}
